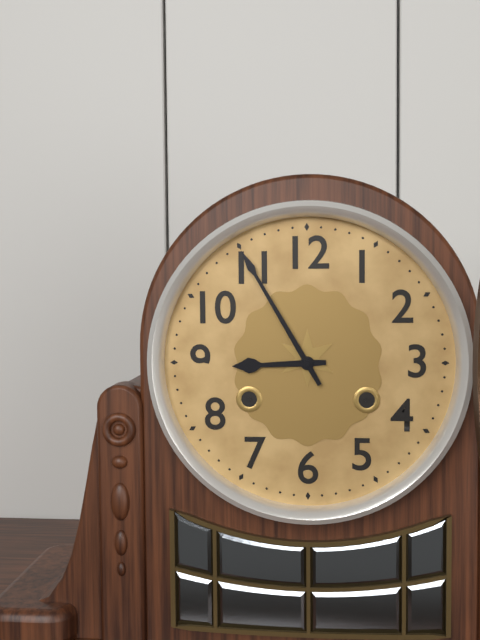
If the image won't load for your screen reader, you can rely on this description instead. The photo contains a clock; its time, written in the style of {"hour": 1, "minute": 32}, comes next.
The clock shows {"hour": 8, "minute": 55}
